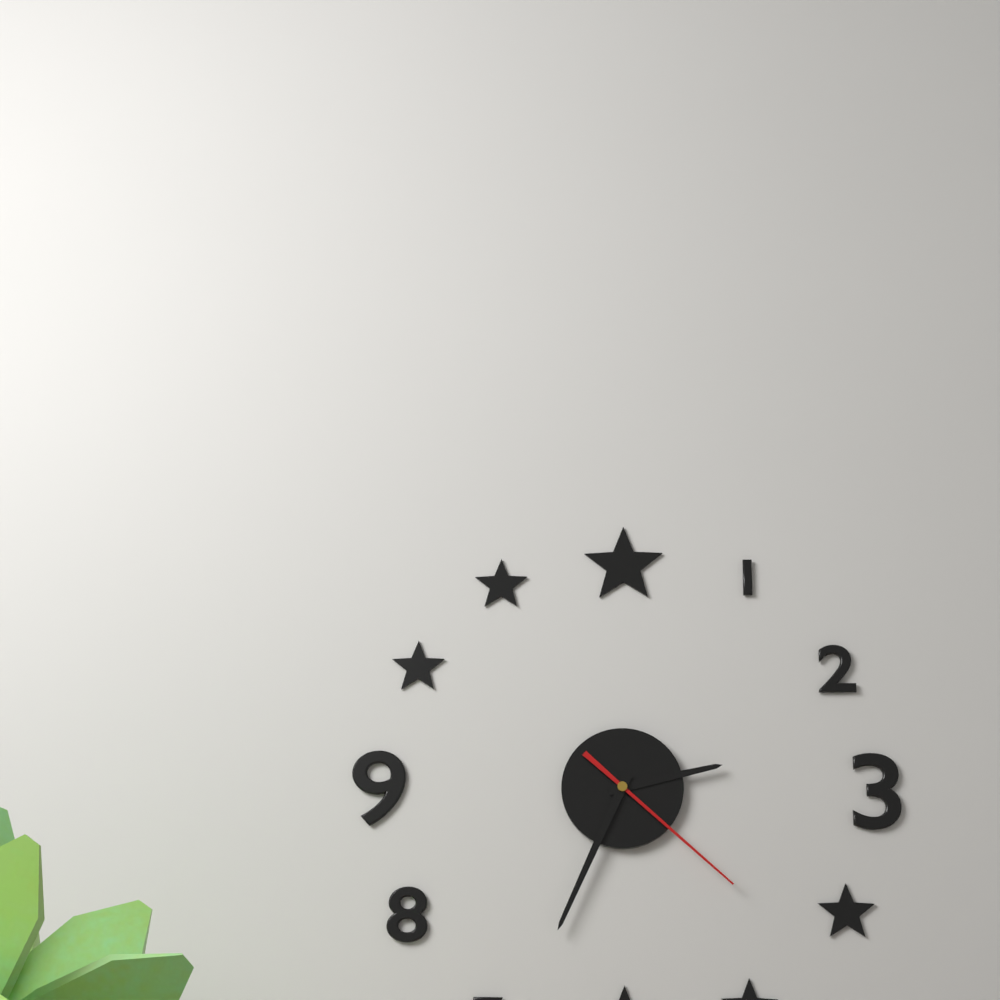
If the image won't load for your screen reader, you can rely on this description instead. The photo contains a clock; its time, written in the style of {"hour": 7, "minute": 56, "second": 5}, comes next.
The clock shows {"hour": 2, "minute": 34, "second": 22}
